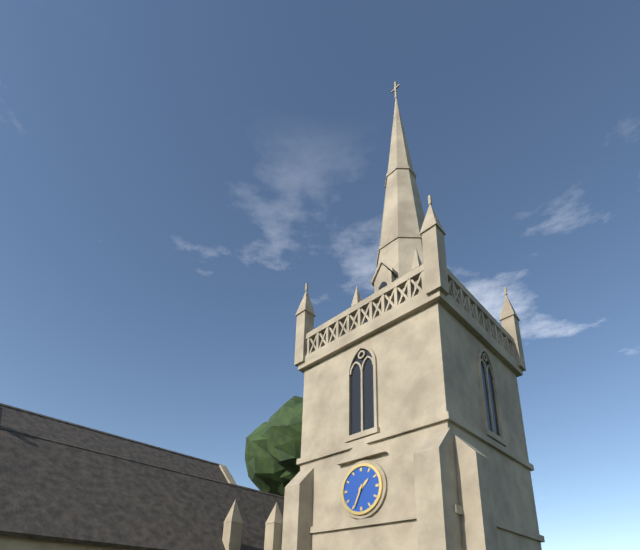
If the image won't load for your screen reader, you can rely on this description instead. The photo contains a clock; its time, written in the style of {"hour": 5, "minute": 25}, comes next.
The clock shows {"hour": 1, "minute": 34}
